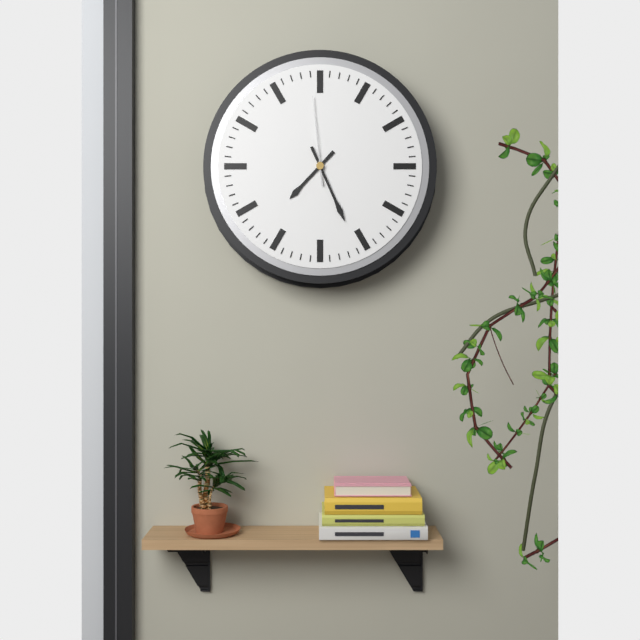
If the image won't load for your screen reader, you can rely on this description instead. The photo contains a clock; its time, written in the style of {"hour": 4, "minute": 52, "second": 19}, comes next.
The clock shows {"hour": 7, "minute": 26, "second": 59}
